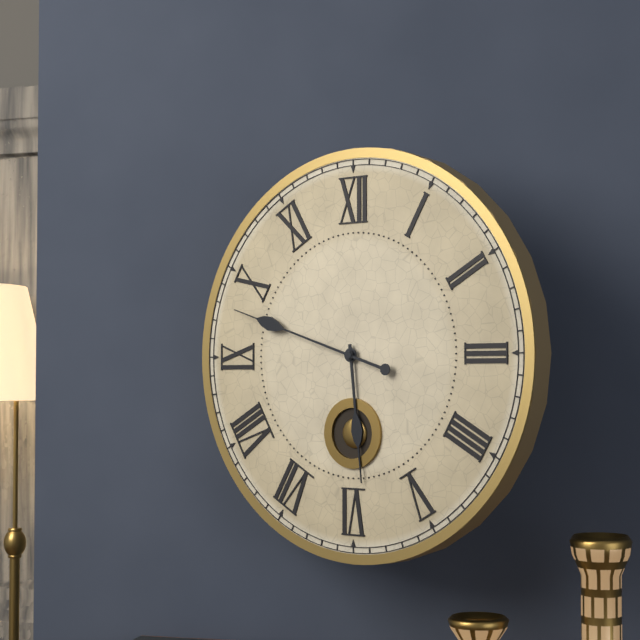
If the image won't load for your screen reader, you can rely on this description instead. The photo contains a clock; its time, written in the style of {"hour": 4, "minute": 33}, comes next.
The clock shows {"hour": 5, "minute": 48}
